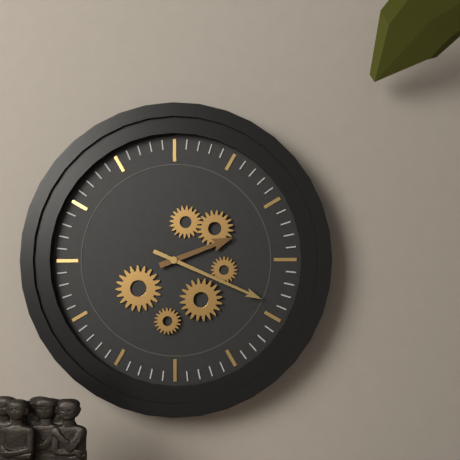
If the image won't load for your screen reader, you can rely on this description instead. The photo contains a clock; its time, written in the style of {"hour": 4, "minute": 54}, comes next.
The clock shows {"hour": 2, "minute": 19}
